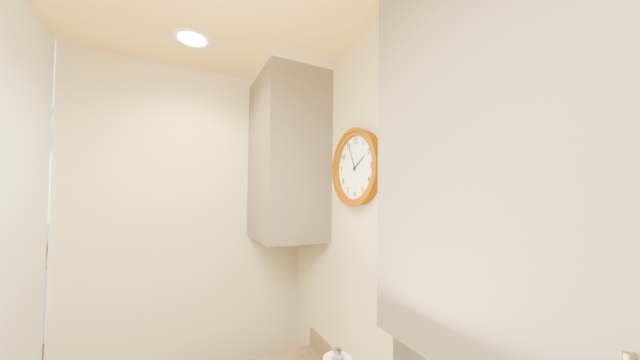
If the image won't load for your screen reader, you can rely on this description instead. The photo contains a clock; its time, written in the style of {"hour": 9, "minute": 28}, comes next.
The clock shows {"hour": 1, "minute": 56}
